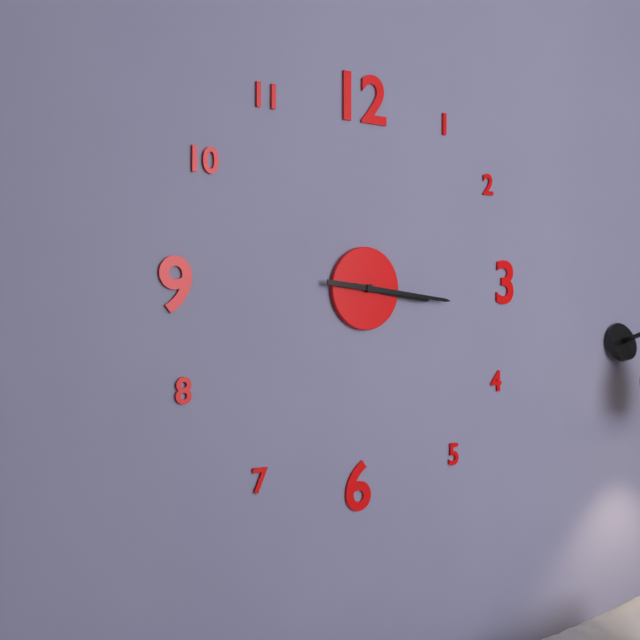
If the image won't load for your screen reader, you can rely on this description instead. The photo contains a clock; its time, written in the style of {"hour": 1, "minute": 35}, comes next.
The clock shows {"hour": 3, "minute": 16}
